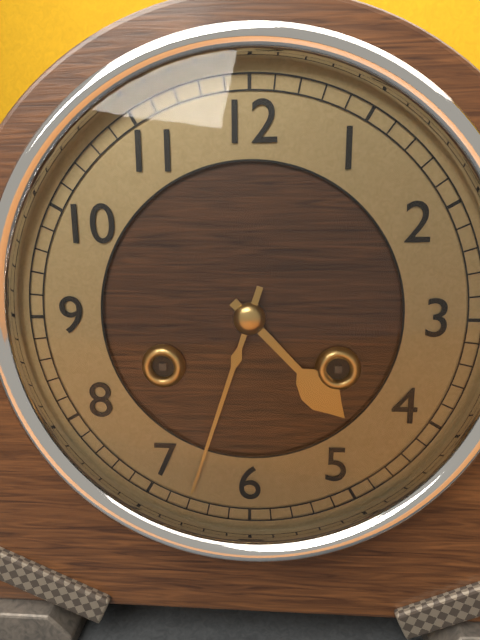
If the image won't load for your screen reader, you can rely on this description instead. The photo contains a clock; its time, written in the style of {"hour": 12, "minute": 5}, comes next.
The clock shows {"hour": 4, "minute": 33}
